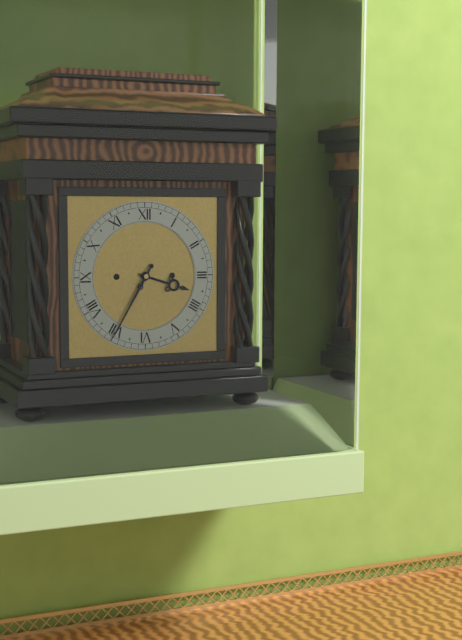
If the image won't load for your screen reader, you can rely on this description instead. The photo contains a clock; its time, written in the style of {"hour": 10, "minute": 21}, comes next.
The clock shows {"hour": 3, "minute": 35}
